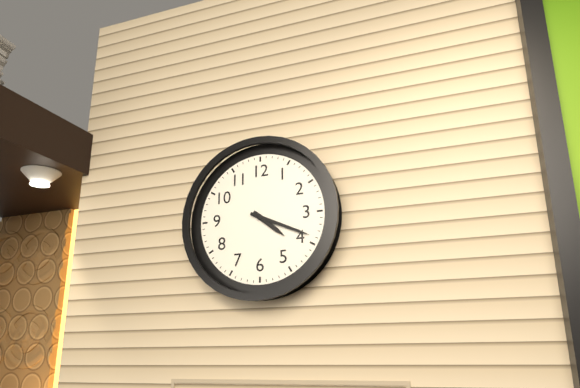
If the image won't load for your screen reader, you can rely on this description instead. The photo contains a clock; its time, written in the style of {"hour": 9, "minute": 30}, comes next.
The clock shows {"hour": 4, "minute": 19}
